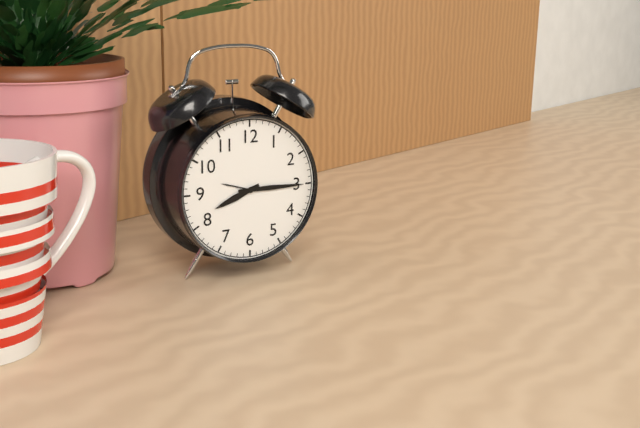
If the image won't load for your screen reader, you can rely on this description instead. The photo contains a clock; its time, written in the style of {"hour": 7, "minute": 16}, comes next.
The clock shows {"hour": 8, "minute": 15}
